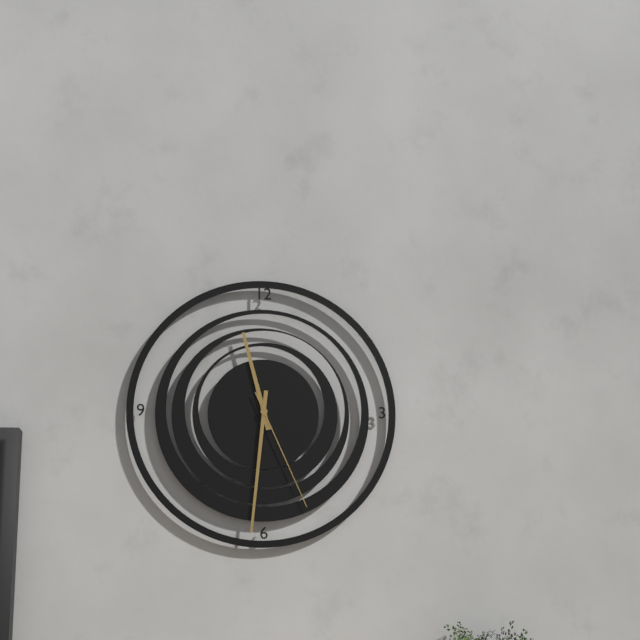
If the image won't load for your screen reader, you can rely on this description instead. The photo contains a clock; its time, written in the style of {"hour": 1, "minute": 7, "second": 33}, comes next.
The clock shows {"hour": 11, "minute": 31, "second": 26}
